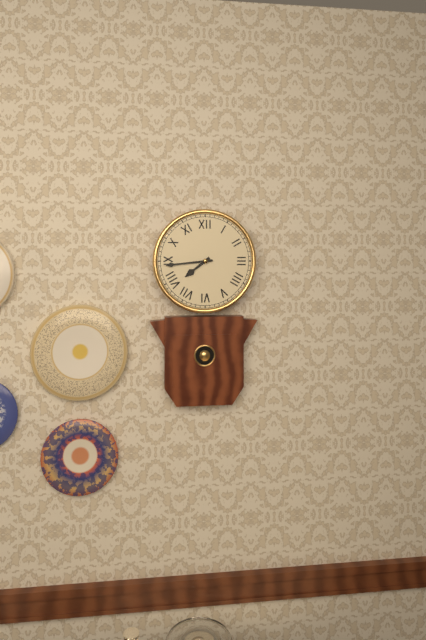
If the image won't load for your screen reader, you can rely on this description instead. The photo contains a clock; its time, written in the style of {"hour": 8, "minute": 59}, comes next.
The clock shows {"hour": 7, "minute": 44}
